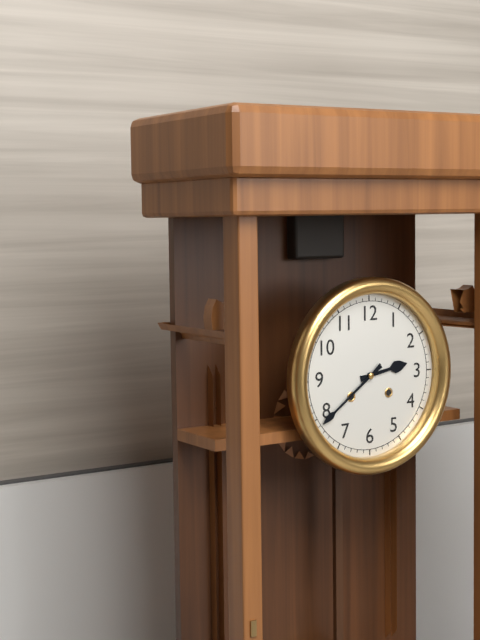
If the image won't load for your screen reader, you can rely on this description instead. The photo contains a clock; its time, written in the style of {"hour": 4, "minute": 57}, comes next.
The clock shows {"hour": 2, "minute": 39}
